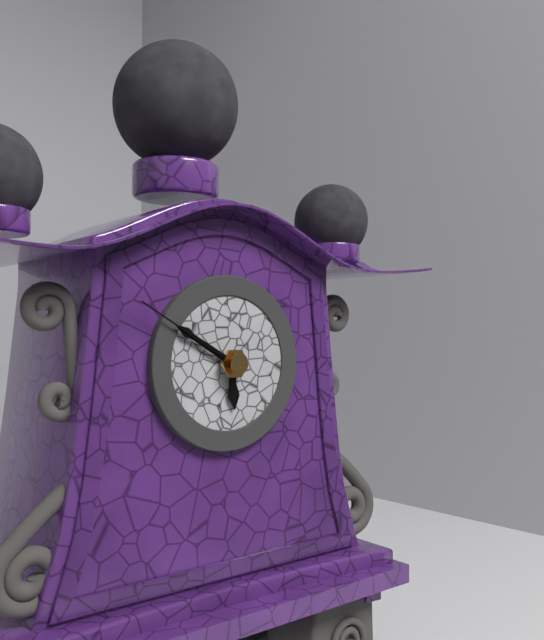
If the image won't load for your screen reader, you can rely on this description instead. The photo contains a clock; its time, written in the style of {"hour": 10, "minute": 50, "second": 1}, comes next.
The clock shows {"hour": 5, "minute": 50, "second": 50}
